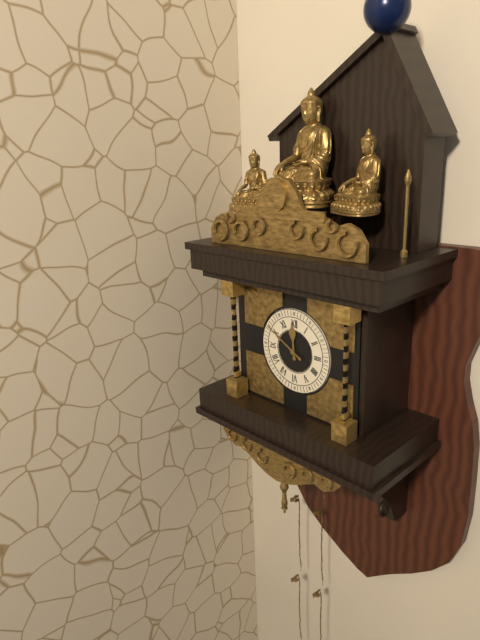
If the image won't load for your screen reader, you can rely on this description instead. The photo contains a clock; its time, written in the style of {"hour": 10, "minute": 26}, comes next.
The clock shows {"hour": 11, "minute": 50}
